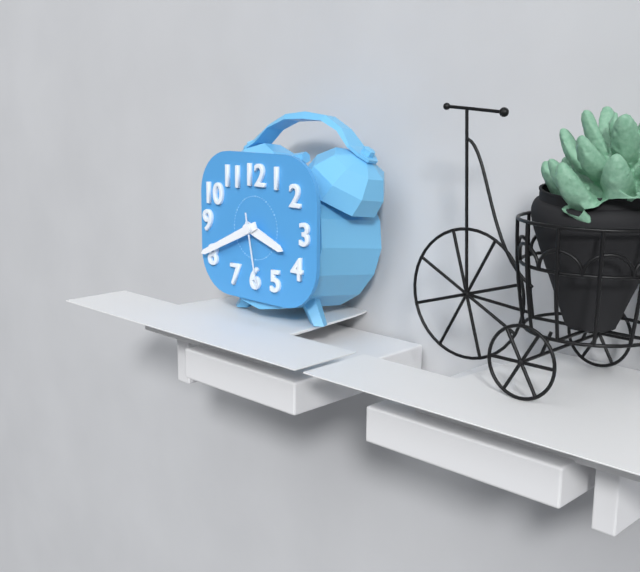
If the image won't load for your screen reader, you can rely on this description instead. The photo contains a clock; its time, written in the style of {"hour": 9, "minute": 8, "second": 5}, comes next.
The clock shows {"hour": 3, "minute": 41, "second": 28}
